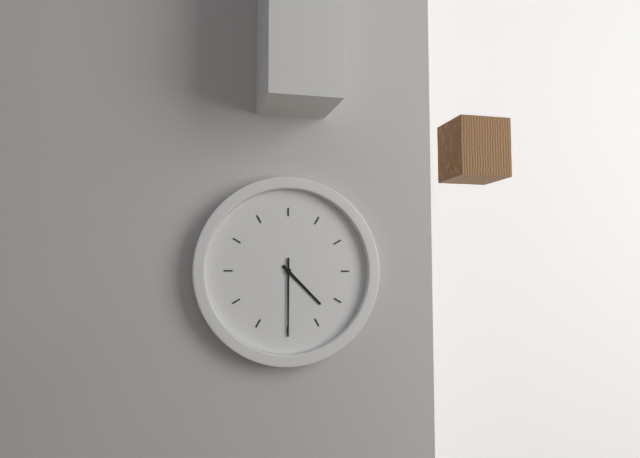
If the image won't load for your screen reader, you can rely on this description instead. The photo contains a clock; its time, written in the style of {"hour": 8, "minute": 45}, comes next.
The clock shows {"hour": 4, "minute": 30}
